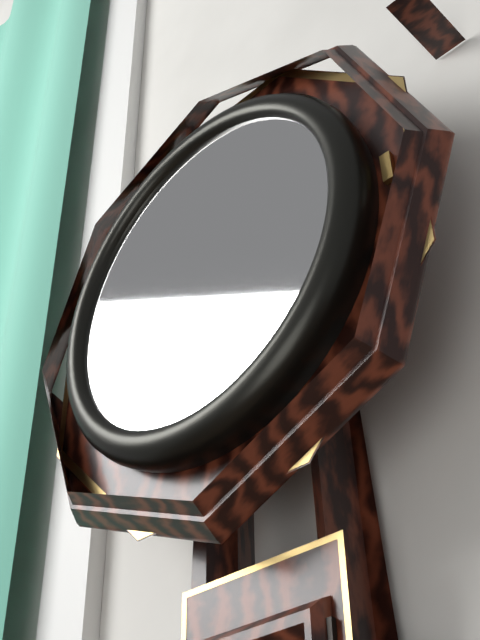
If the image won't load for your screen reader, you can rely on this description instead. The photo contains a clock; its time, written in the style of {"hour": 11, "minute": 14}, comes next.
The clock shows {"hour": 5, "minute": 14}
